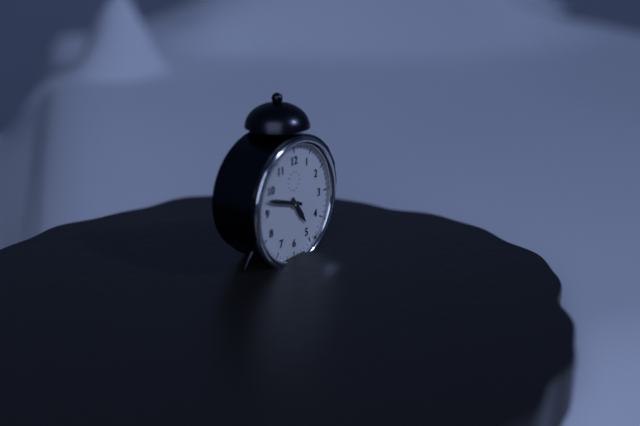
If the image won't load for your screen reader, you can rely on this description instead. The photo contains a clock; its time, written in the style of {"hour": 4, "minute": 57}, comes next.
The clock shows {"hour": 4, "minute": 48}
